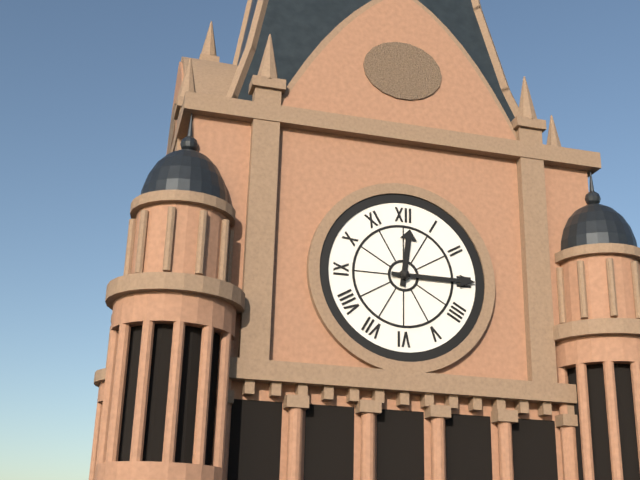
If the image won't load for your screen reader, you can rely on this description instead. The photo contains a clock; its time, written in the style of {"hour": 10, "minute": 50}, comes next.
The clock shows {"hour": 12, "minute": 15}
